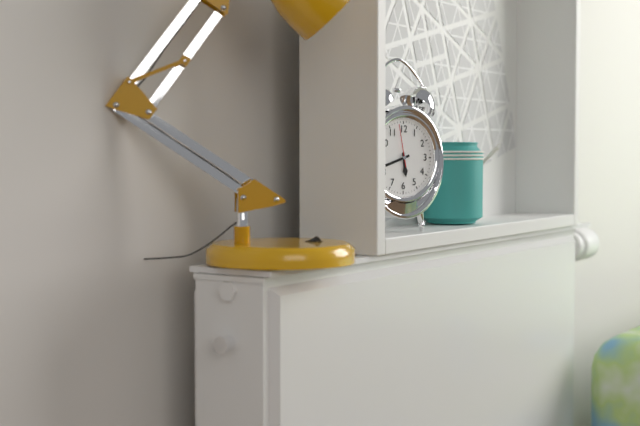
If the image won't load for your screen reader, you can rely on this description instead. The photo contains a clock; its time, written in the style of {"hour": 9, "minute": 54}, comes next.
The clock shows {"hour": 5, "minute": 42}
